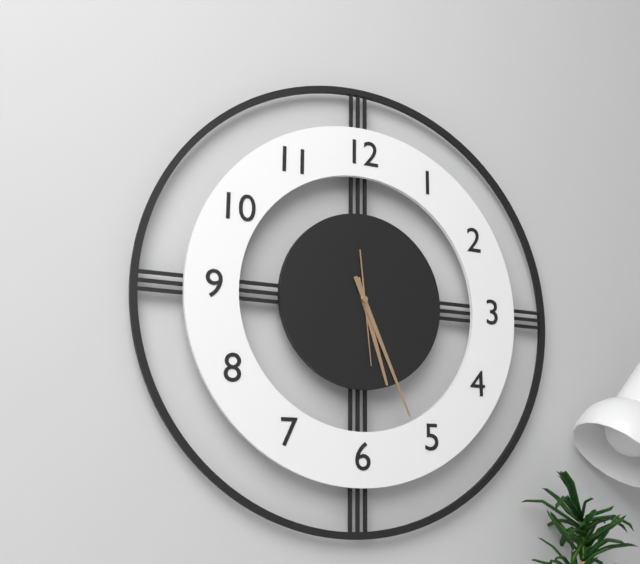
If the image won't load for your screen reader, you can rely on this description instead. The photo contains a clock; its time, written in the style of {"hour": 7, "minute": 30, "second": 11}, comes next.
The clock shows {"hour": 5, "minute": 26, "second": 29}
